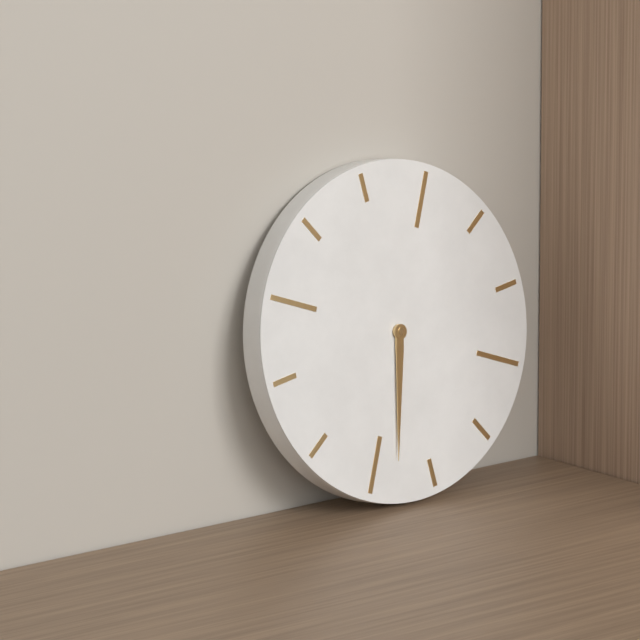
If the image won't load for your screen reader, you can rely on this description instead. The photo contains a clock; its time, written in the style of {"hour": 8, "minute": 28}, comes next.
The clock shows {"hour": 6, "minute": 33}
